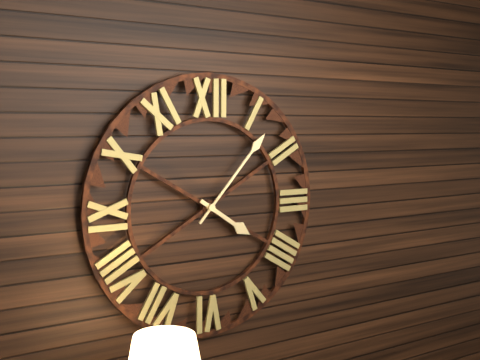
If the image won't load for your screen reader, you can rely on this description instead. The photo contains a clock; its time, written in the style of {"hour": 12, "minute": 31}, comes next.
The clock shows {"hour": 4, "minute": 7}
